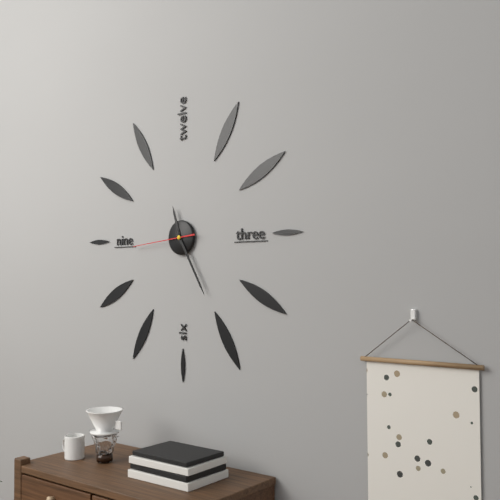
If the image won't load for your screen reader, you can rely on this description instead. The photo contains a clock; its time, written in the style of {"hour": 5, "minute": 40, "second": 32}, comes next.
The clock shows {"hour": 11, "minute": 25, "second": 44}
